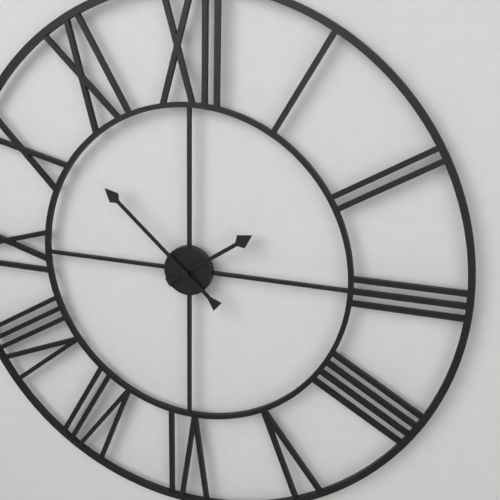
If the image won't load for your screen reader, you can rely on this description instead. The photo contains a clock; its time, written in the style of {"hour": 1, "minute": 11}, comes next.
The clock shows {"hour": 1, "minute": 52}
